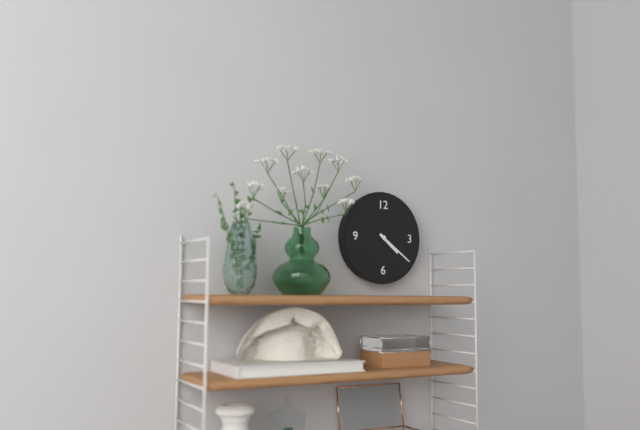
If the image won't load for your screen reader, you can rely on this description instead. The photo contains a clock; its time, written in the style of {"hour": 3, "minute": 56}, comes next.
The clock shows {"hour": 4, "minute": 21}
